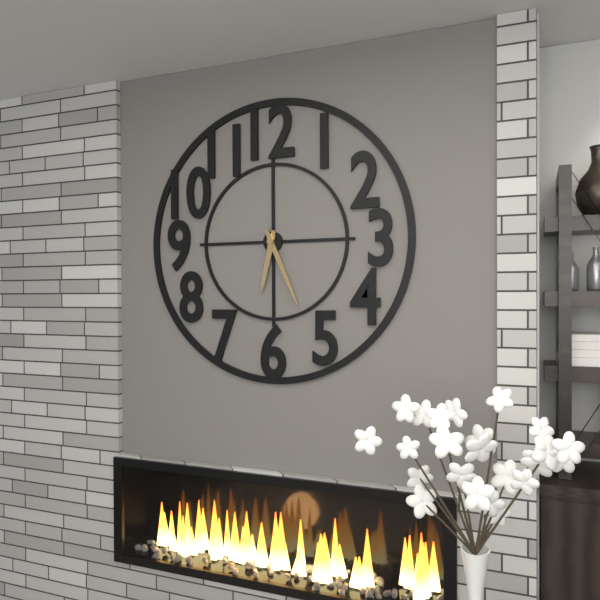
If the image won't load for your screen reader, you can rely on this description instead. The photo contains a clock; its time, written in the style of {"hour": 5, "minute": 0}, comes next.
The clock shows {"hour": 6, "minute": 26}
